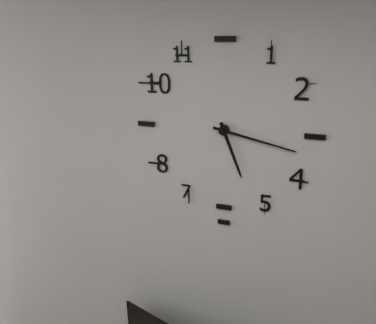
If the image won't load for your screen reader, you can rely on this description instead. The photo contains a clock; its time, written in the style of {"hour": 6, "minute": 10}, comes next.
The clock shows {"hour": 5, "minute": 17}
